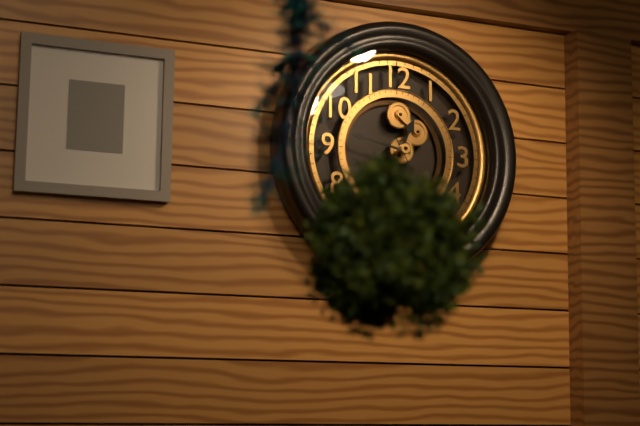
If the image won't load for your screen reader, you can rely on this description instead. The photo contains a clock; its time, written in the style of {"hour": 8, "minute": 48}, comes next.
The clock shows {"hour": 12, "minute": 47}
